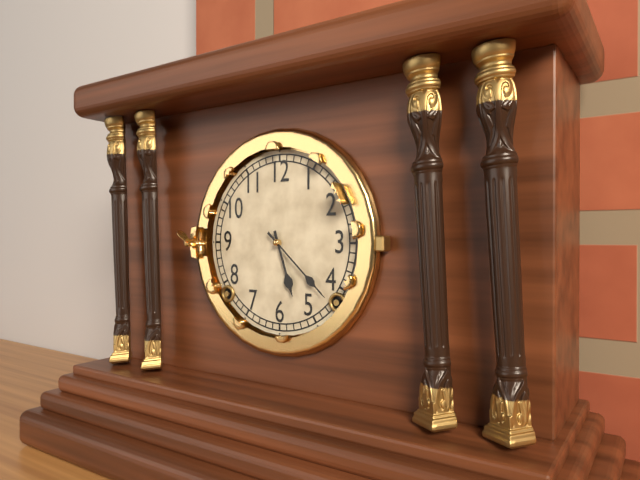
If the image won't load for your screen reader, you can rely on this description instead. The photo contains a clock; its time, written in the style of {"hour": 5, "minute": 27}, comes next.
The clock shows {"hour": 5, "minute": 22}
